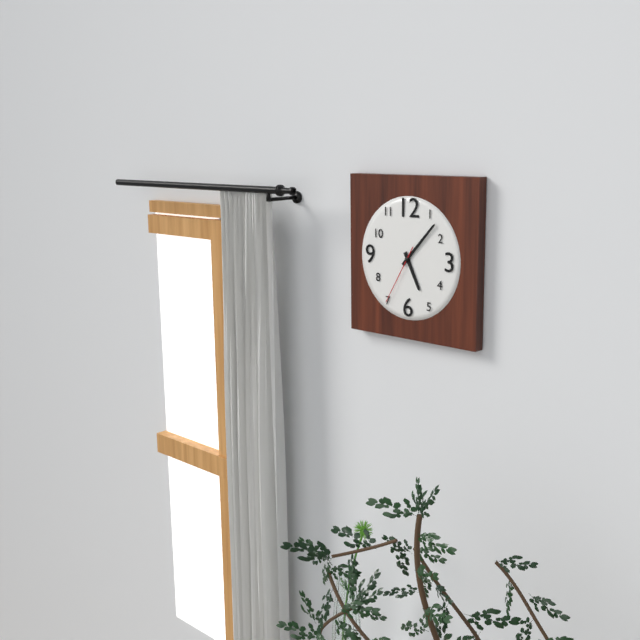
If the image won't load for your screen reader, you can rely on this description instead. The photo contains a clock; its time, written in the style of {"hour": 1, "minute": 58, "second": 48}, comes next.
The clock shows {"hour": 5, "minute": 7, "second": 35}
